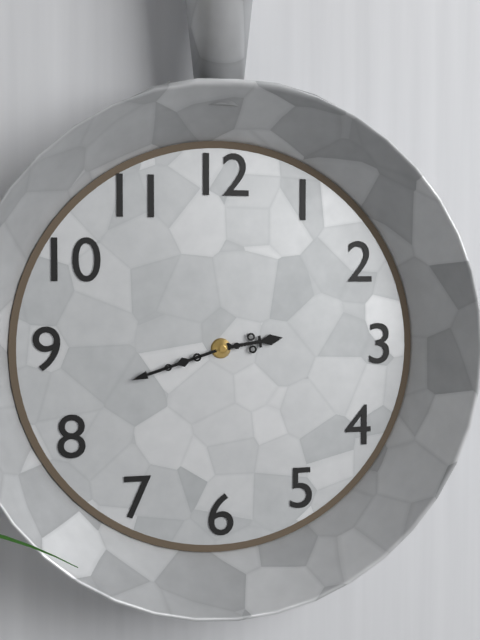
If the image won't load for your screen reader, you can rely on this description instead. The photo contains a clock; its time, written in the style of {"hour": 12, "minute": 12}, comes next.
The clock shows {"hour": 2, "minute": 42}
